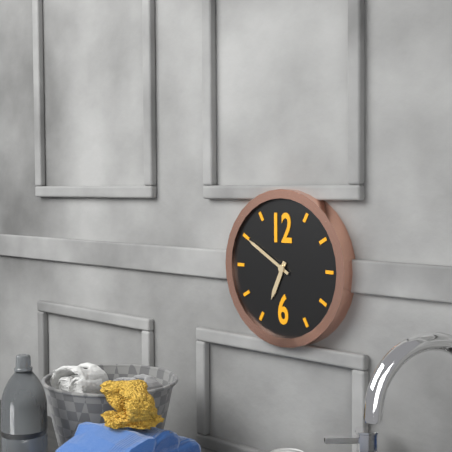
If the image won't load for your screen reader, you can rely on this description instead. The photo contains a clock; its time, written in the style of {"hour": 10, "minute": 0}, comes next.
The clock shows {"hour": 6, "minute": 50}
